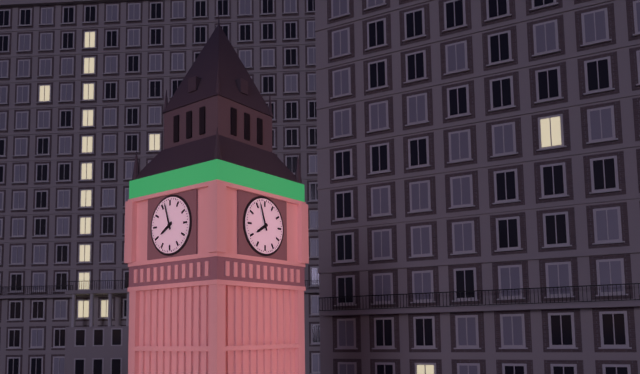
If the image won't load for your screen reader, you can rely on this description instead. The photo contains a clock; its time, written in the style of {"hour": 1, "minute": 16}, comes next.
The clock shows {"hour": 7, "minute": 57}
